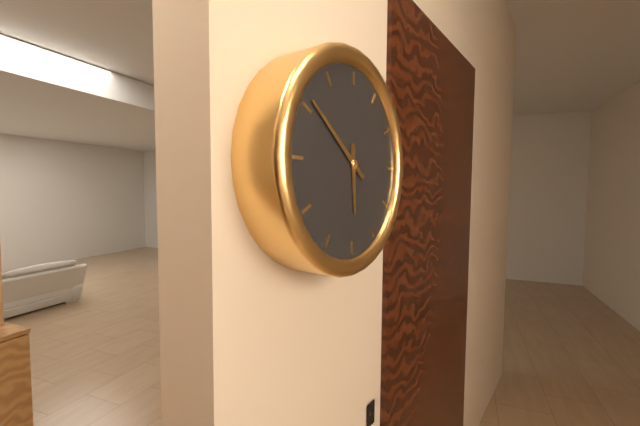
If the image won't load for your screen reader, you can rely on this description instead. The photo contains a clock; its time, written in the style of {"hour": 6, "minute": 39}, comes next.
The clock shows {"hour": 5, "minute": 51}
